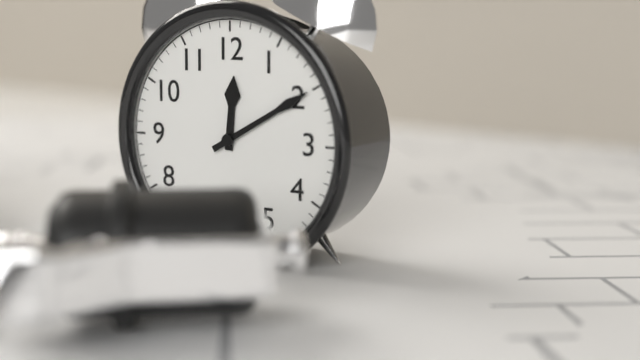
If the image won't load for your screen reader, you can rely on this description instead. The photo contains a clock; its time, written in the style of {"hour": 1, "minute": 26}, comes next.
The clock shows {"hour": 12, "minute": 10}
